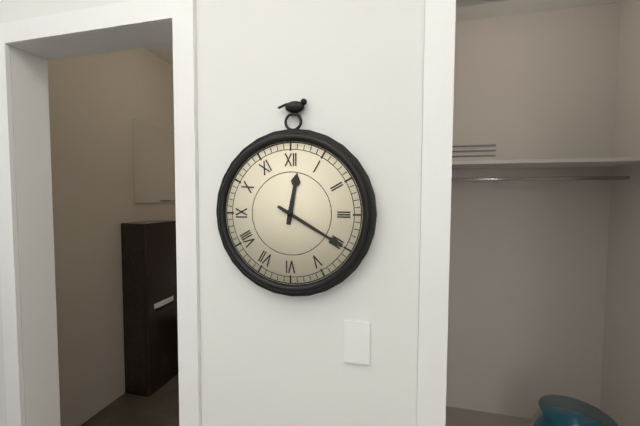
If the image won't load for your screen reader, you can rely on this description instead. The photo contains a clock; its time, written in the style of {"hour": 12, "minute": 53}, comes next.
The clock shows {"hour": 12, "minute": 20}
